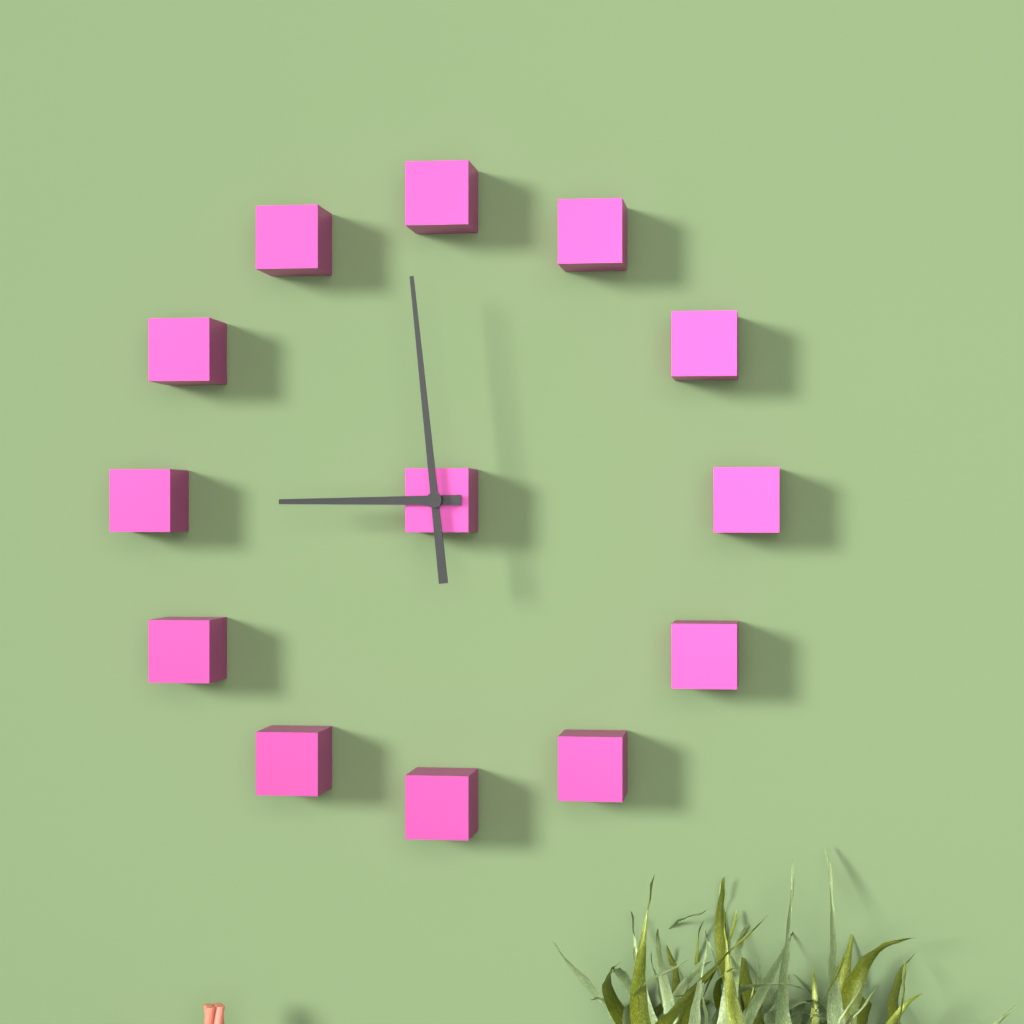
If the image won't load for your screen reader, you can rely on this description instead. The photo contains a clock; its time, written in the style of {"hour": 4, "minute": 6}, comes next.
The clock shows {"hour": 8, "minute": 59}
